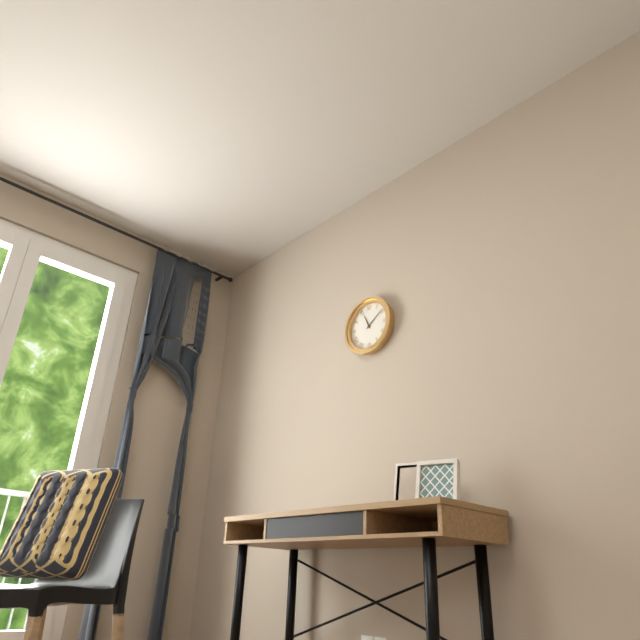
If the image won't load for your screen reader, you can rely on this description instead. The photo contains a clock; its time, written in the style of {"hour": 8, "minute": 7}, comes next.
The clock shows {"hour": 11, "minute": 9}
